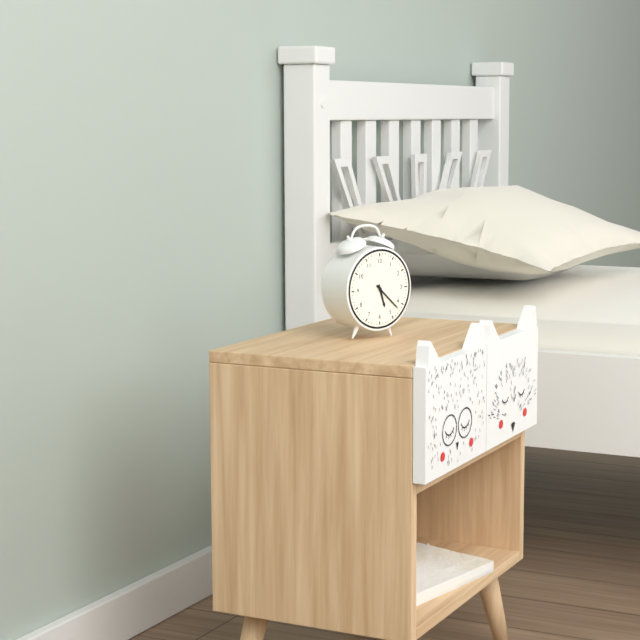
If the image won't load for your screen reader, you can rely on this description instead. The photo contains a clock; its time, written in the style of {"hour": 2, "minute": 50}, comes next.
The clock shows {"hour": 5, "minute": 22}
